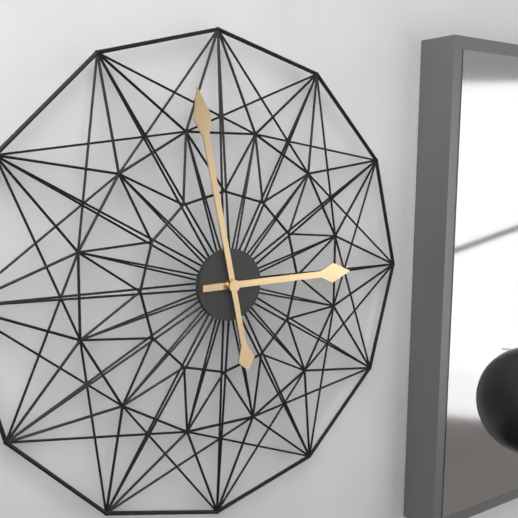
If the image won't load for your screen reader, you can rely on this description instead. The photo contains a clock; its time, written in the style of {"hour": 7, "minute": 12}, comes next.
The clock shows {"hour": 2, "minute": 58}
